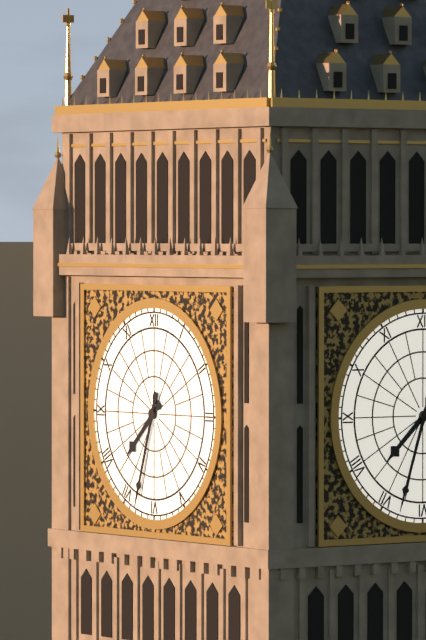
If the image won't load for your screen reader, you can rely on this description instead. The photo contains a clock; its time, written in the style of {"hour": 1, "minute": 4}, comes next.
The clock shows {"hour": 7, "minute": 33}
